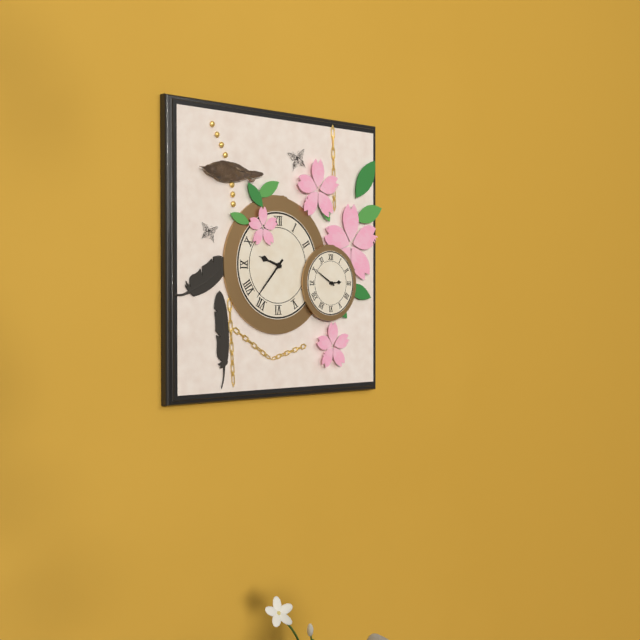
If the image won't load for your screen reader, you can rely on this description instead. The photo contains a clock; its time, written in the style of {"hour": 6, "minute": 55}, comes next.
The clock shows {"hour": 9, "minute": 37}
